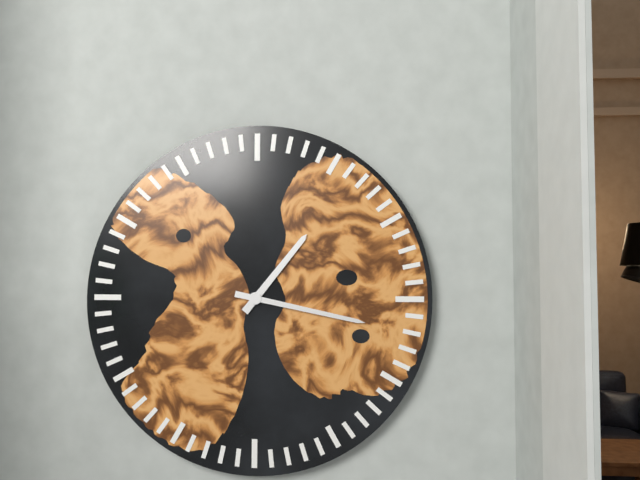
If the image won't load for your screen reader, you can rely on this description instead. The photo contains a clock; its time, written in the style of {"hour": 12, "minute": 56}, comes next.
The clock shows {"hour": 1, "minute": 17}
